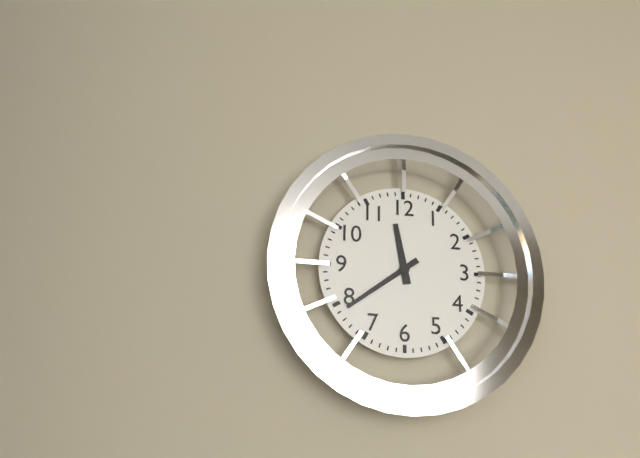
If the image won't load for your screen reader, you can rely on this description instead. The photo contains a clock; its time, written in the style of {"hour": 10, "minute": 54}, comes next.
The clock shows {"hour": 11, "minute": 39}
